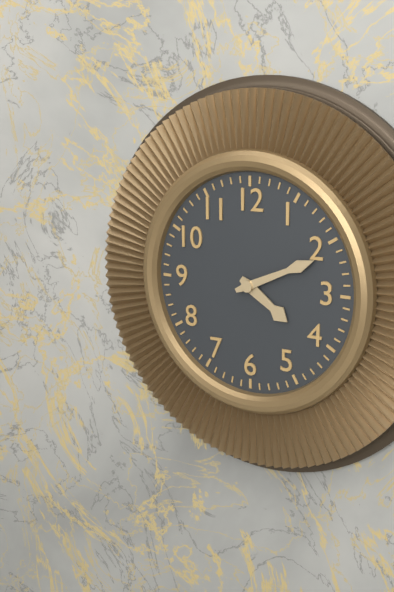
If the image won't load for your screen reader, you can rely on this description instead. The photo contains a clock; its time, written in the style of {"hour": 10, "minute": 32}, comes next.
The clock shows {"hour": 4, "minute": 11}
